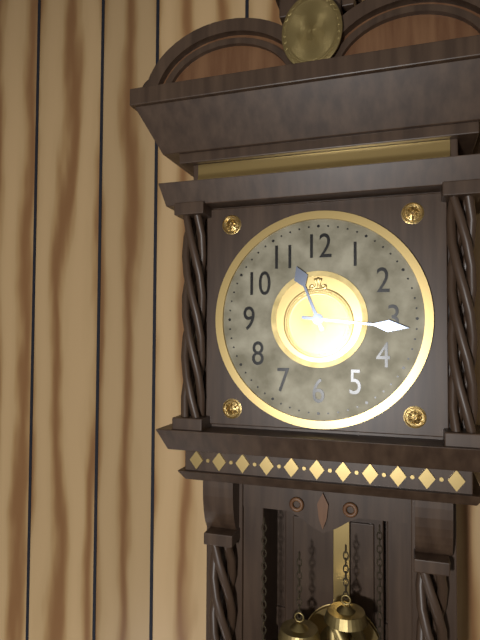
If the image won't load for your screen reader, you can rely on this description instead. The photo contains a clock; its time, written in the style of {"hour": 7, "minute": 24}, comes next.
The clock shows {"hour": 11, "minute": 16}
